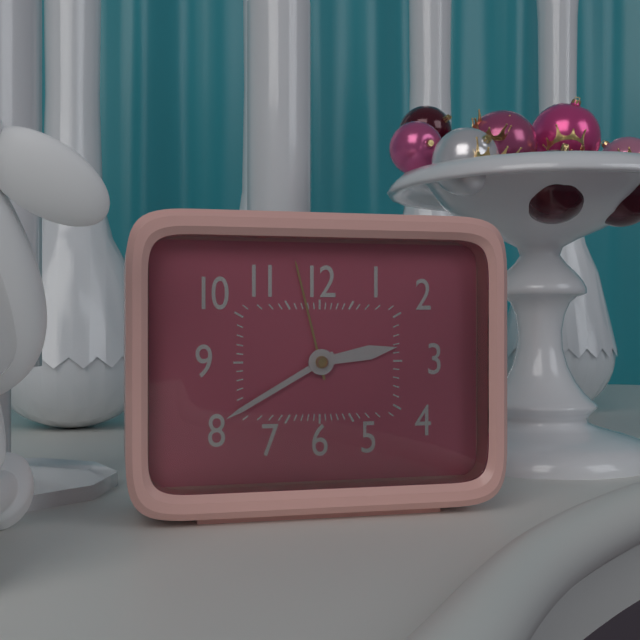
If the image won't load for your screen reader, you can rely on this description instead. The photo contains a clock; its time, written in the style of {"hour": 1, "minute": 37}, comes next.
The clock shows {"hour": 2, "minute": 40}
